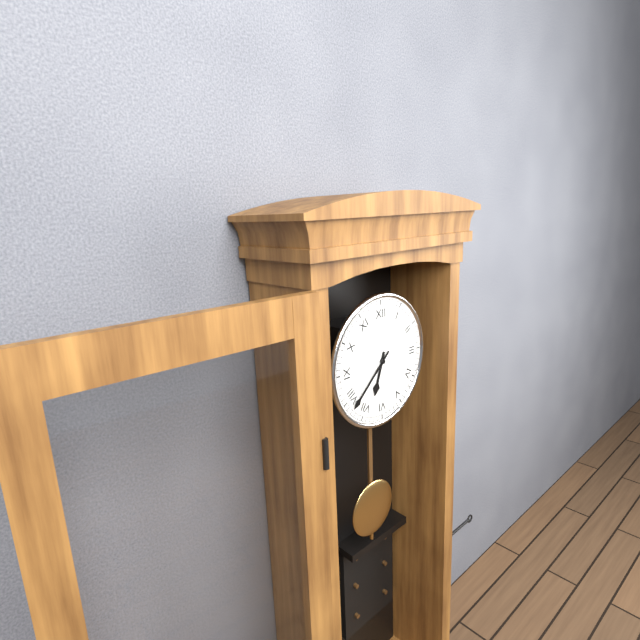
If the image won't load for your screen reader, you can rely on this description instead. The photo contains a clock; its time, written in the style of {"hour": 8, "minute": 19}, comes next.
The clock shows {"hour": 6, "minute": 38}
